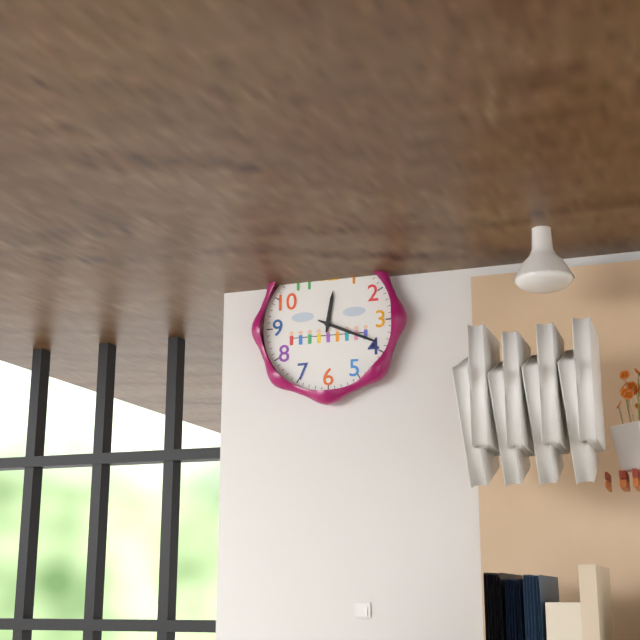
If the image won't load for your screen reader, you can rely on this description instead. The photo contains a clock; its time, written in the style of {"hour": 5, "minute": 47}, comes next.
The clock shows {"hour": 12, "minute": 19}
